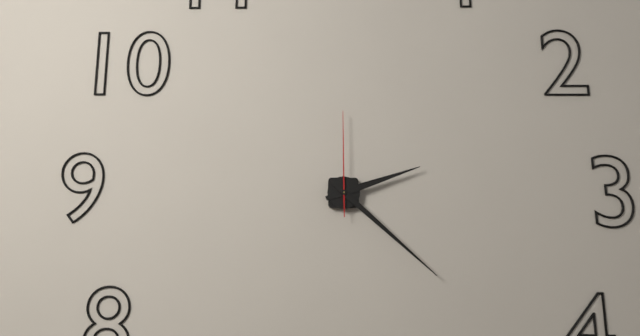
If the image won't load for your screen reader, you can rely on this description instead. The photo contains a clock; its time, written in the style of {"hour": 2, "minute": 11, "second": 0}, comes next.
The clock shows {"hour": 2, "minute": 22, "second": 0}
